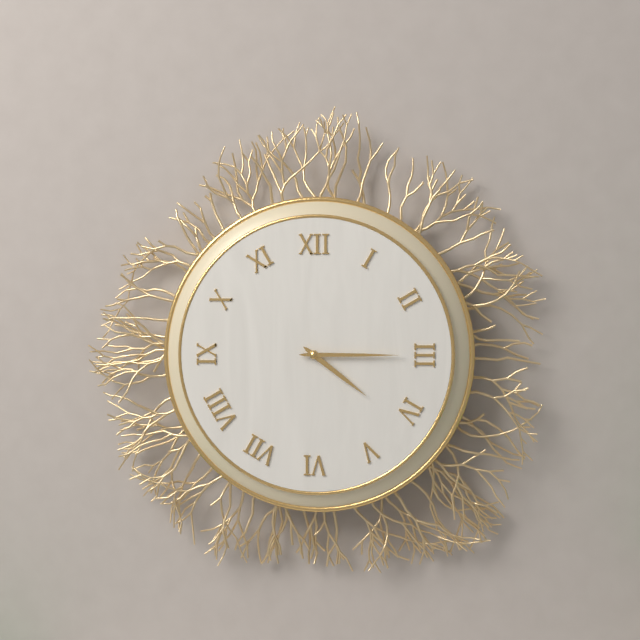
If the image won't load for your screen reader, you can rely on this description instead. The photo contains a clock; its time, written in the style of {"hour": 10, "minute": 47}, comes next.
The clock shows {"hour": 4, "minute": 15}
